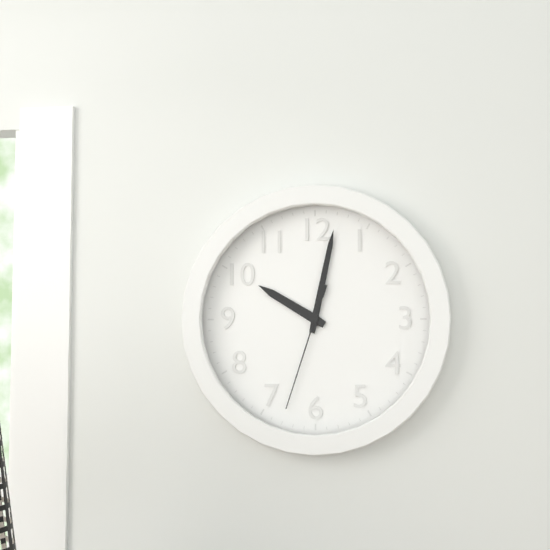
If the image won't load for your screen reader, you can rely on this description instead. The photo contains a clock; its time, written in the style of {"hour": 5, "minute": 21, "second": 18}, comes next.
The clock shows {"hour": 10, "minute": 2, "second": 33}
